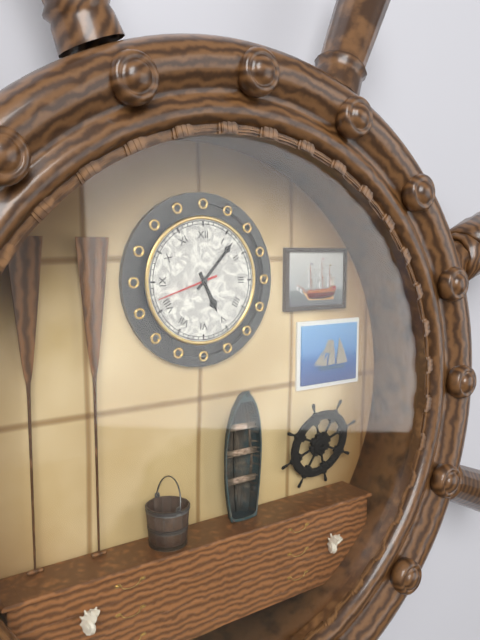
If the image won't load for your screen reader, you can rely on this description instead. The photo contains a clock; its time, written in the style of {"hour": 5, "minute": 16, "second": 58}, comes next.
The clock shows {"hour": 5, "minute": 7, "second": 42}
